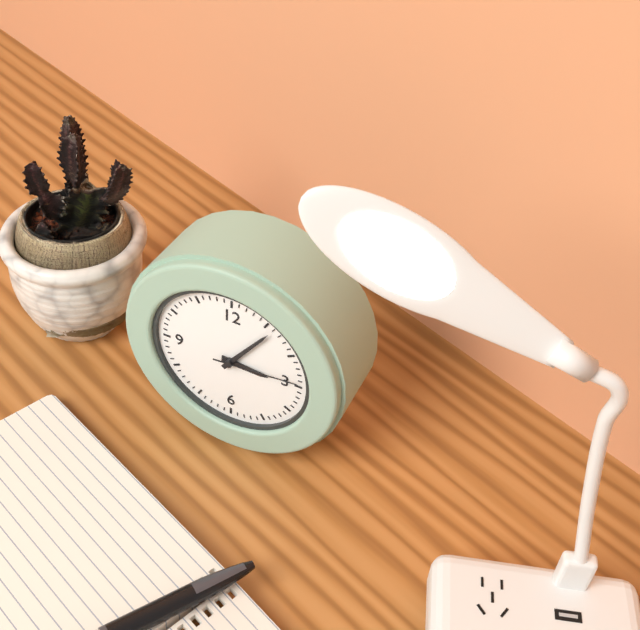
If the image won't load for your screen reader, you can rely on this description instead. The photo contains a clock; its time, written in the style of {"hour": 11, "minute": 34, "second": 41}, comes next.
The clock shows {"hour": 3, "minute": 6, "second": 14}
